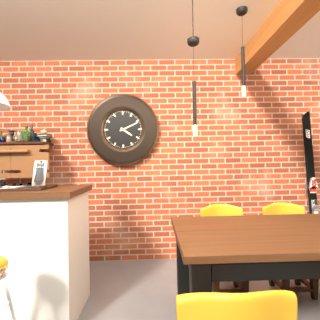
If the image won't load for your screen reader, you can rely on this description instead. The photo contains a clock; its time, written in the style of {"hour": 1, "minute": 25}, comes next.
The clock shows {"hour": 4, "minute": 11}
